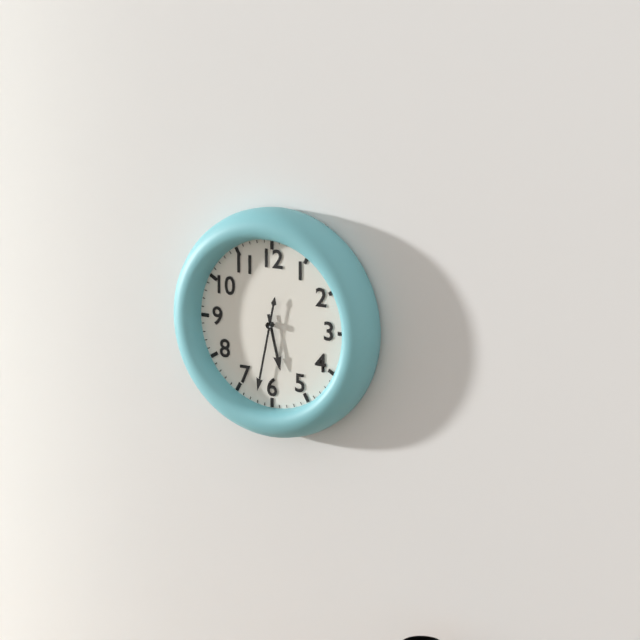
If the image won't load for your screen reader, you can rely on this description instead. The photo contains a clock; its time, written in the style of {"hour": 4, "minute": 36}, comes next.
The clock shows {"hour": 5, "minute": 32}
